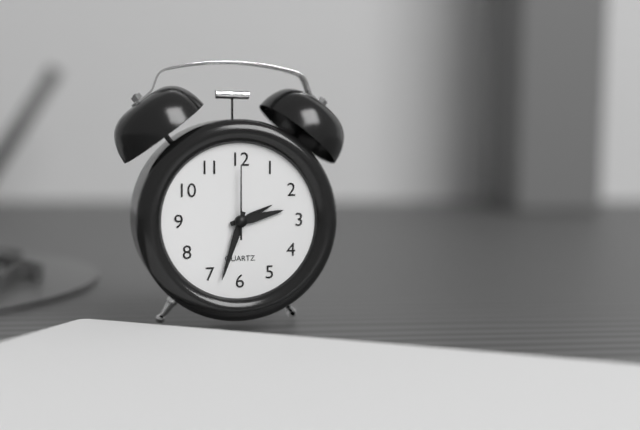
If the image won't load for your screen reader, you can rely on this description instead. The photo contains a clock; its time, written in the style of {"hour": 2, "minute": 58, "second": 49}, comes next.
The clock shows {"hour": 2, "minute": 33, "second": 0}
